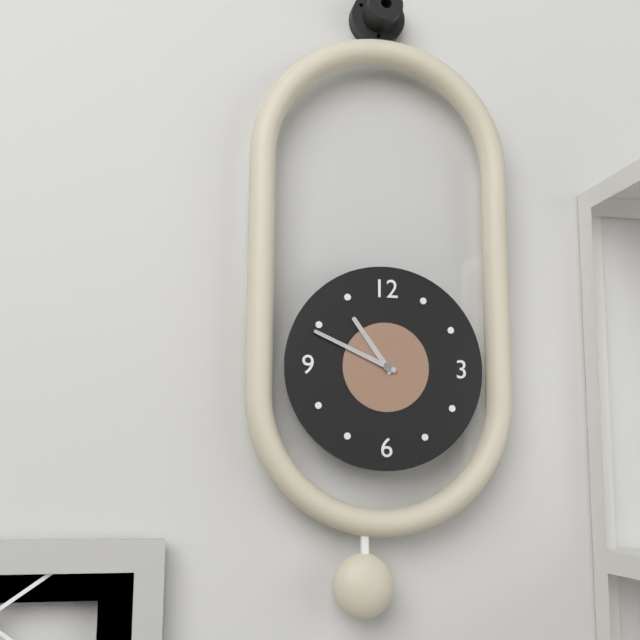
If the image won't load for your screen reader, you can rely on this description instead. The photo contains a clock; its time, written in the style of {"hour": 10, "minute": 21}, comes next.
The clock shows {"hour": 10, "minute": 49}
